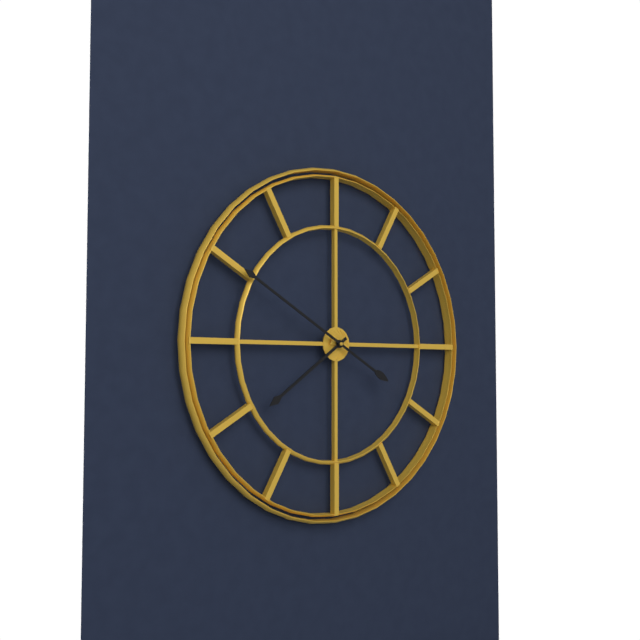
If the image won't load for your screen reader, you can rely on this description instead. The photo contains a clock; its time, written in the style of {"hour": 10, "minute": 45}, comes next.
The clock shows {"hour": 7, "minute": 50}
